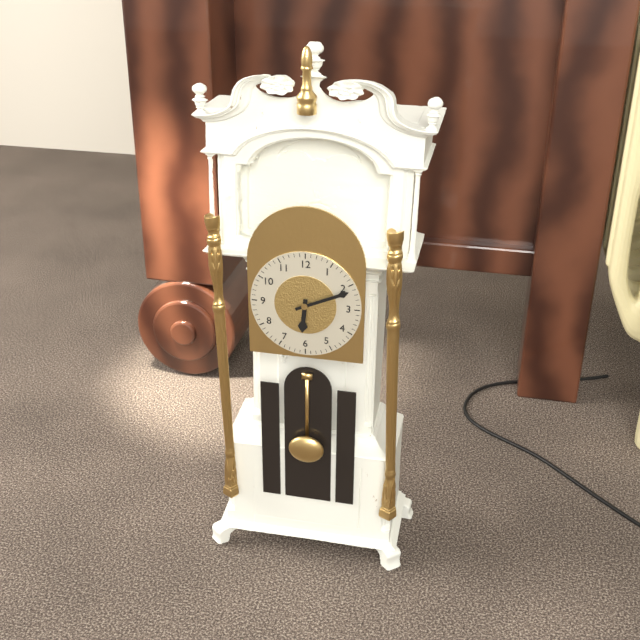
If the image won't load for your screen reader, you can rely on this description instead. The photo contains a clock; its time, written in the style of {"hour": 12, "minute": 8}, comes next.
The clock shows {"hour": 6, "minute": 11}
